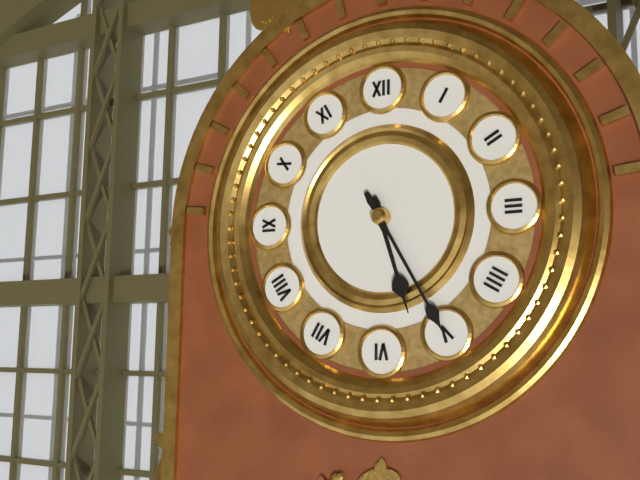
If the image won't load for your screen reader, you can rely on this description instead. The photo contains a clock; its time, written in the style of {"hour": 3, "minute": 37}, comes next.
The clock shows {"hour": 5, "minute": 25}
